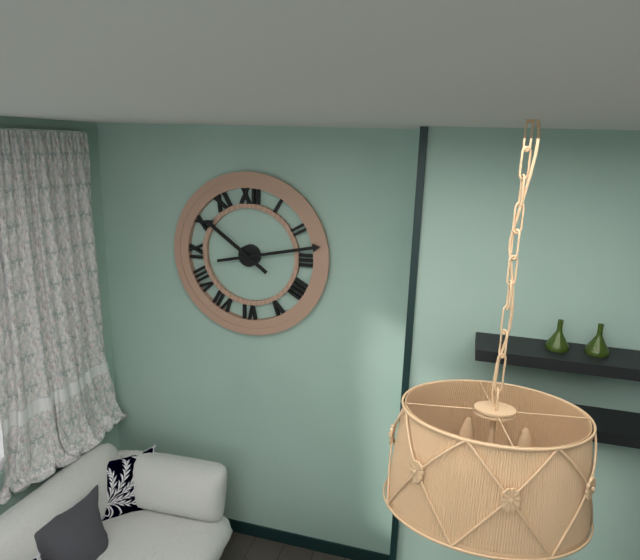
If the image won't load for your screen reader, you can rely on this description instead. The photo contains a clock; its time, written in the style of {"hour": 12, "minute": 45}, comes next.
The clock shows {"hour": 10, "minute": 13}
